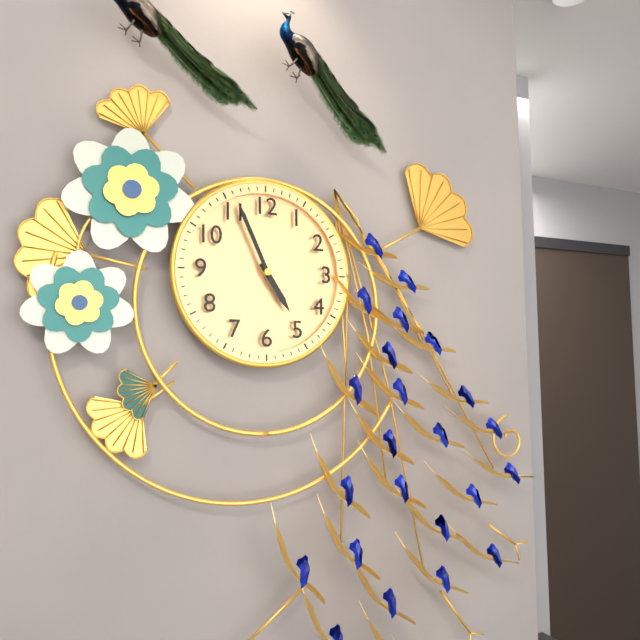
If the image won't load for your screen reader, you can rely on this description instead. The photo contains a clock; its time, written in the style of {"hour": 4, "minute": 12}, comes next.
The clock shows {"hour": 4, "minute": 56}
